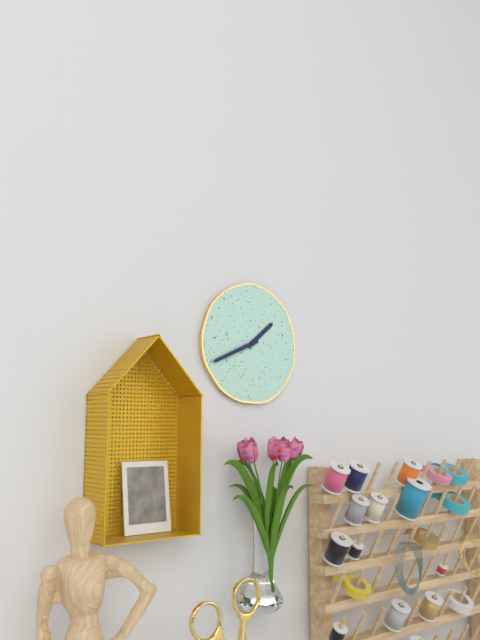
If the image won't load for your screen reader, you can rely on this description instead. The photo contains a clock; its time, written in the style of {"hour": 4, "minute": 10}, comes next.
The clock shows {"hour": 1, "minute": 41}
